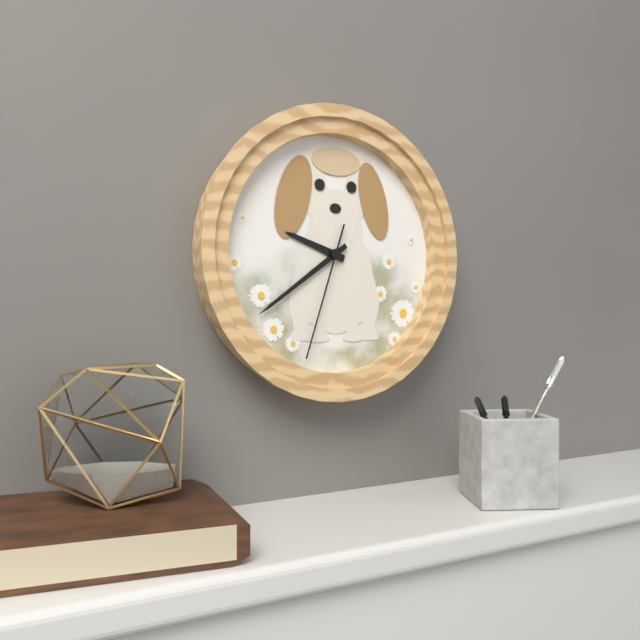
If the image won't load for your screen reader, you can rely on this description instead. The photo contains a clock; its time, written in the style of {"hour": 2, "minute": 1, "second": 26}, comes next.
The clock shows {"hour": 9, "minute": 39, "second": 33}
